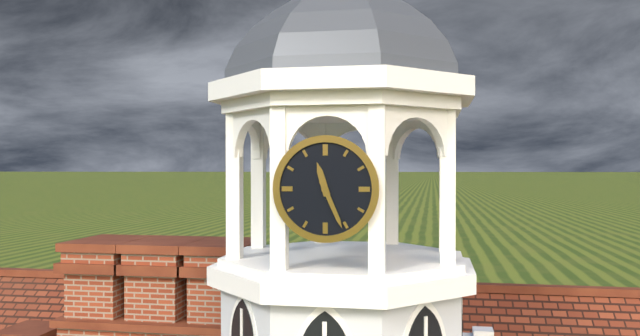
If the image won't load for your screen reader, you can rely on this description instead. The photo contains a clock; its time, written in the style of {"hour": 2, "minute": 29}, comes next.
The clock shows {"hour": 11, "minute": 26}
